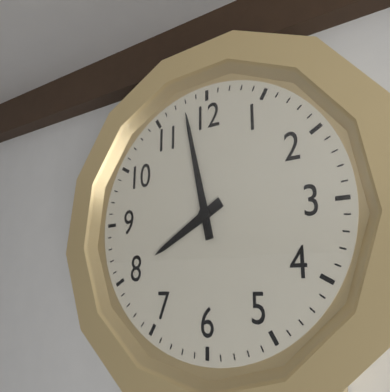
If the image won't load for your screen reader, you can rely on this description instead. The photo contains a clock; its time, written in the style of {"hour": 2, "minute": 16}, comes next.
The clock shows {"hour": 7, "minute": 58}
